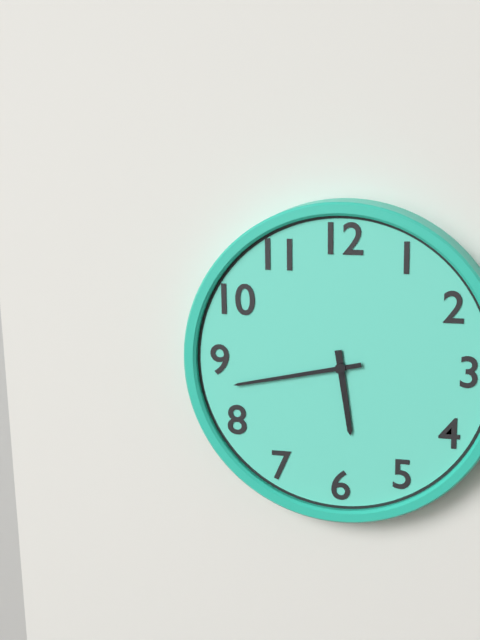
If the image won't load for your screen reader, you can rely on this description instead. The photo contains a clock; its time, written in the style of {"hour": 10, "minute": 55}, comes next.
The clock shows {"hour": 5, "minute": 43}
